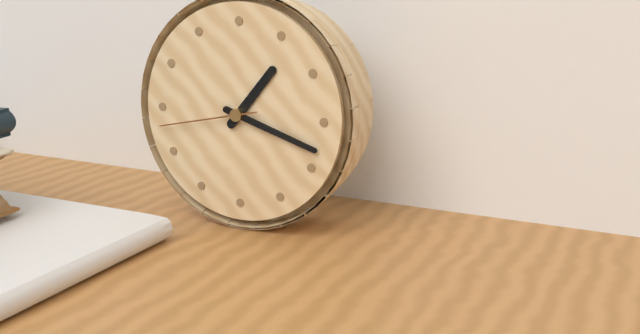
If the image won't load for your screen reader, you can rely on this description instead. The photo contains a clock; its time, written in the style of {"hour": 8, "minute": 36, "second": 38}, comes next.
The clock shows {"hour": 1, "minute": 18, "second": 43}
